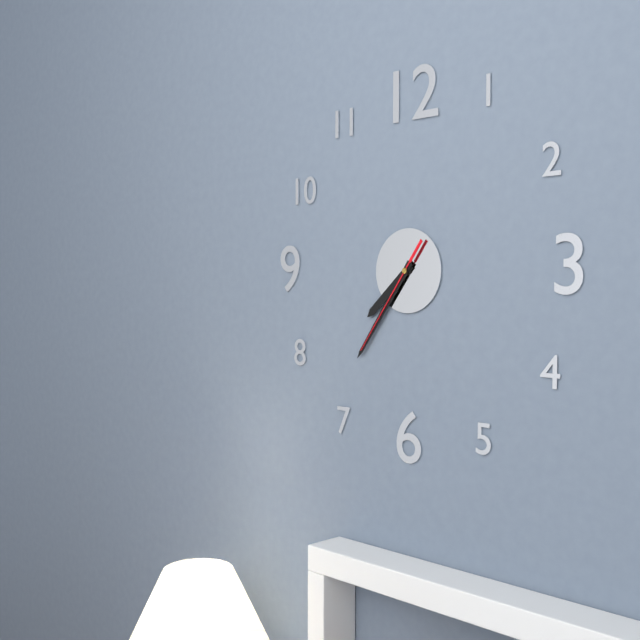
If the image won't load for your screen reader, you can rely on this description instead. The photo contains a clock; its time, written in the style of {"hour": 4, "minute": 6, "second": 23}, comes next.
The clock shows {"hour": 7, "minute": 36, "second": 36}
